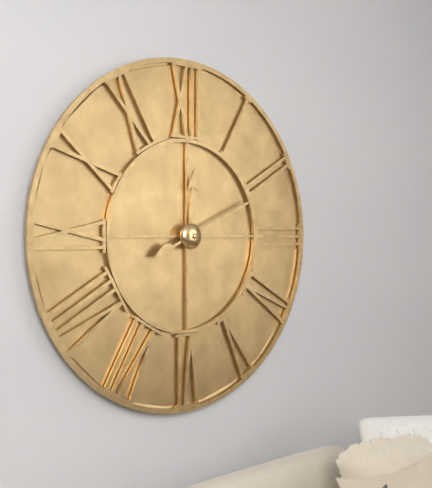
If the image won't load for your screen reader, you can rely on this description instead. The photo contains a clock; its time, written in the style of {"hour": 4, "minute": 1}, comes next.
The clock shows {"hour": 12, "minute": 11}
